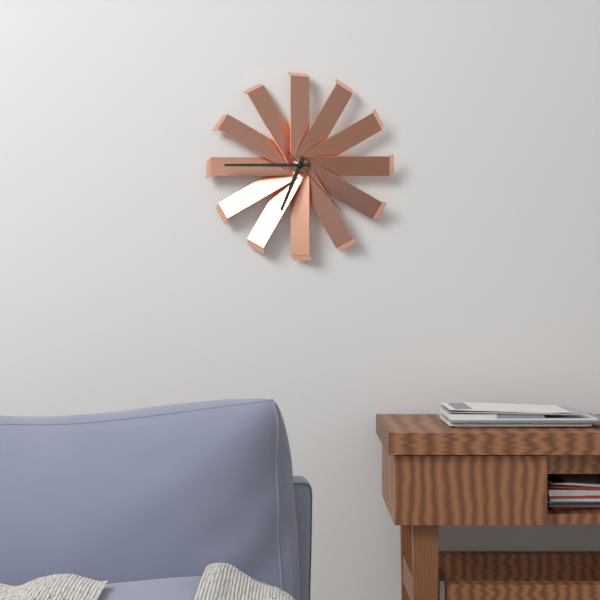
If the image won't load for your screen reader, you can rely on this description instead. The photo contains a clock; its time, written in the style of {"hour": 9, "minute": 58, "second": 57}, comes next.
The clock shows {"hour": 6, "minute": 45, "second": 23}
